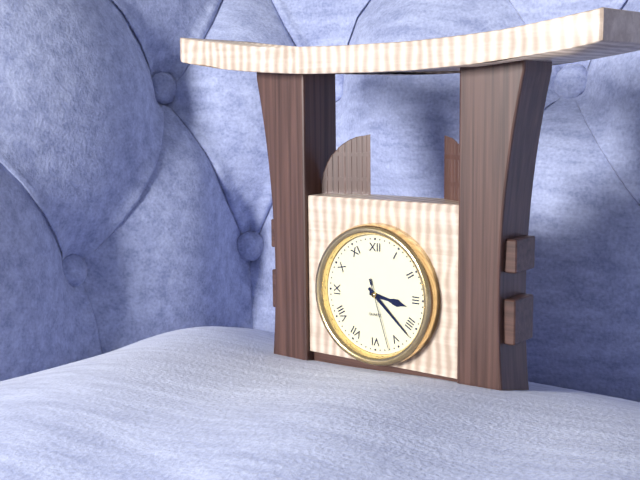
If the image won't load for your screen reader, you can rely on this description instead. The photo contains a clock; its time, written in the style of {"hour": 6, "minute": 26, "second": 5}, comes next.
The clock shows {"hour": 3, "minute": 22, "second": 27}
